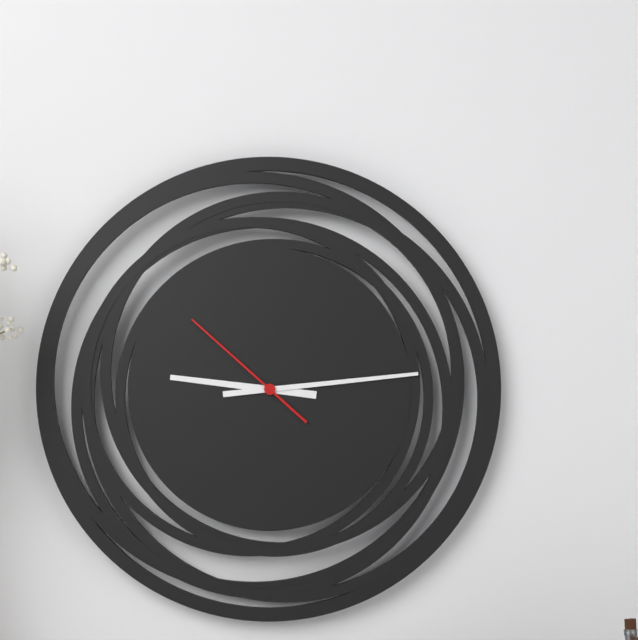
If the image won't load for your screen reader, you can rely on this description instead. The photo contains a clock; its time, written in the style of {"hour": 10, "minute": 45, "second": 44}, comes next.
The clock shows {"hour": 9, "minute": 14, "second": 52}
